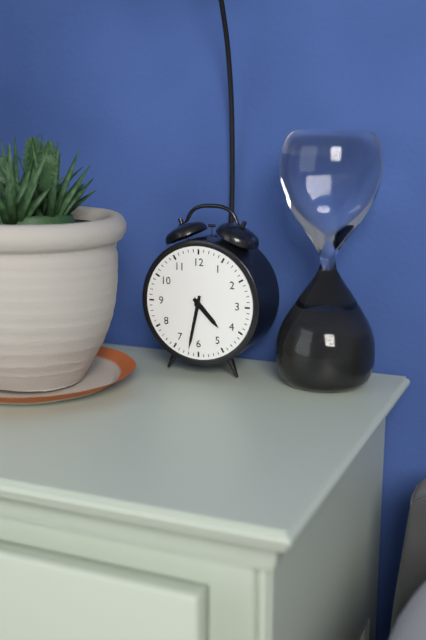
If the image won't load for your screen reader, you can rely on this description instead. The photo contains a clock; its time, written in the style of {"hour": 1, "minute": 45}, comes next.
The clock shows {"hour": 4, "minute": 32}
